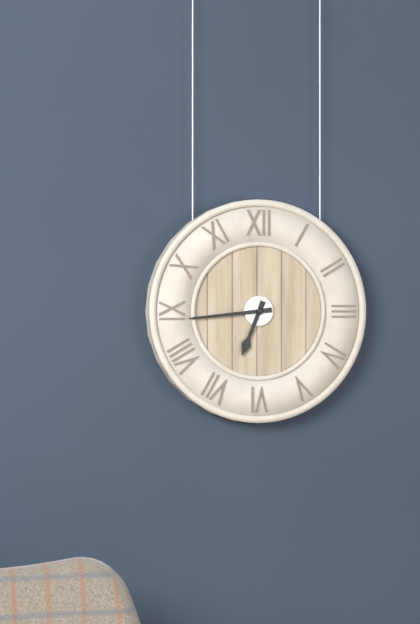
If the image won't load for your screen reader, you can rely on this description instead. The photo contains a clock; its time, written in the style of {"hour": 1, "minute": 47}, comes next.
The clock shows {"hour": 6, "minute": 44}
